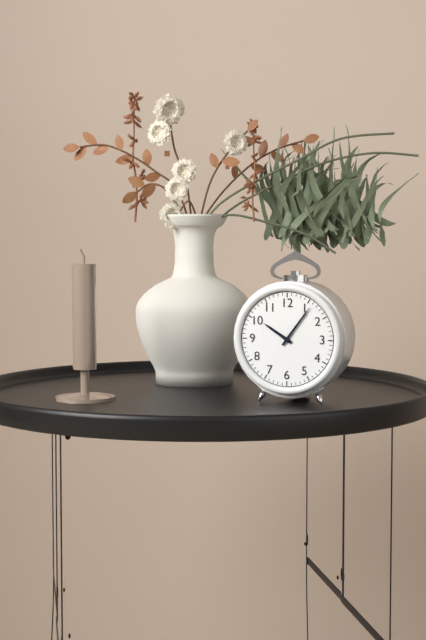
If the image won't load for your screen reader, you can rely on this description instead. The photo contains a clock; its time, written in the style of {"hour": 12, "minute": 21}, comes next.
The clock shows {"hour": 10, "minute": 6}
